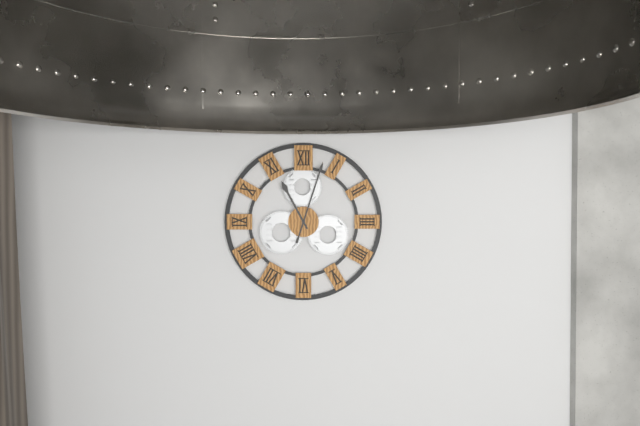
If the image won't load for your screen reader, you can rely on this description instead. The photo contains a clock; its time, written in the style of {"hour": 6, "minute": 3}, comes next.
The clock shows {"hour": 11, "minute": 3}
